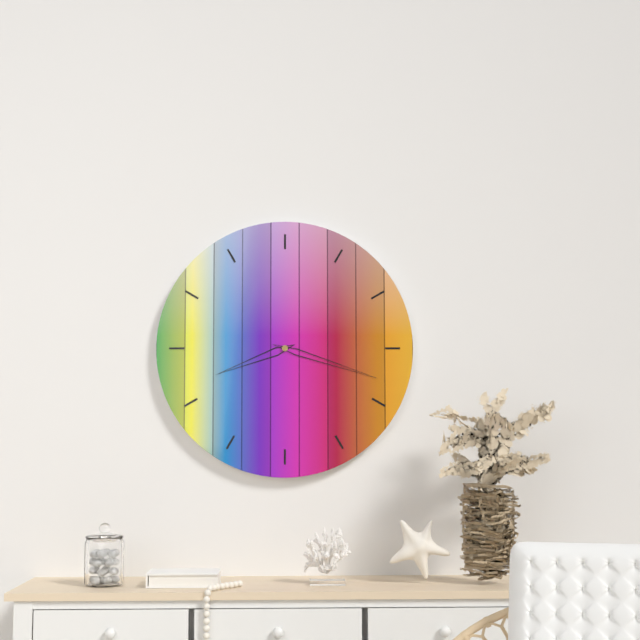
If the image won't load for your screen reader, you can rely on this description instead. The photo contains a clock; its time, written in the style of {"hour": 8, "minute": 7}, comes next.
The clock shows {"hour": 8, "minute": 18}
